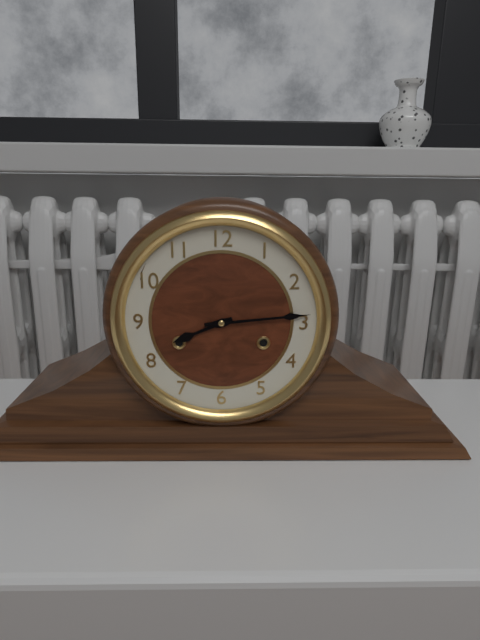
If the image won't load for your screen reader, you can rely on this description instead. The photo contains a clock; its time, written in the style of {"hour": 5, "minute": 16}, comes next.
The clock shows {"hour": 8, "minute": 14}
